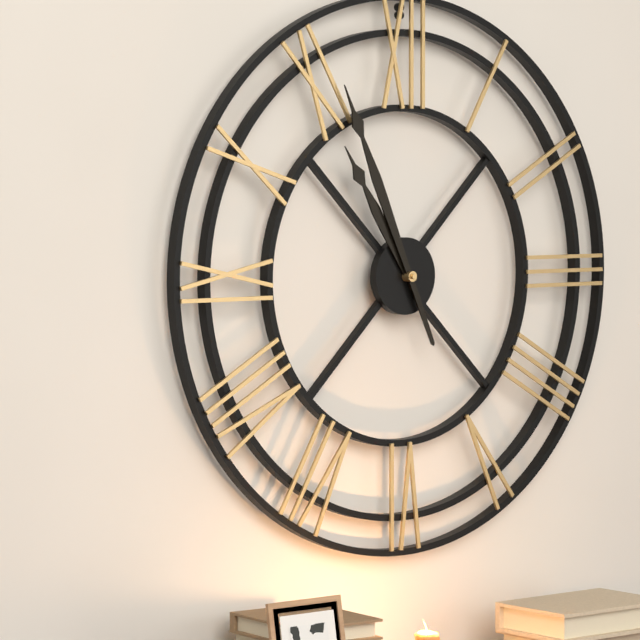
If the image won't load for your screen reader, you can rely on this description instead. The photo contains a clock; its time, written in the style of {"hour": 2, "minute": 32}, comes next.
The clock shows {"hour": 10, "minute": 56}
